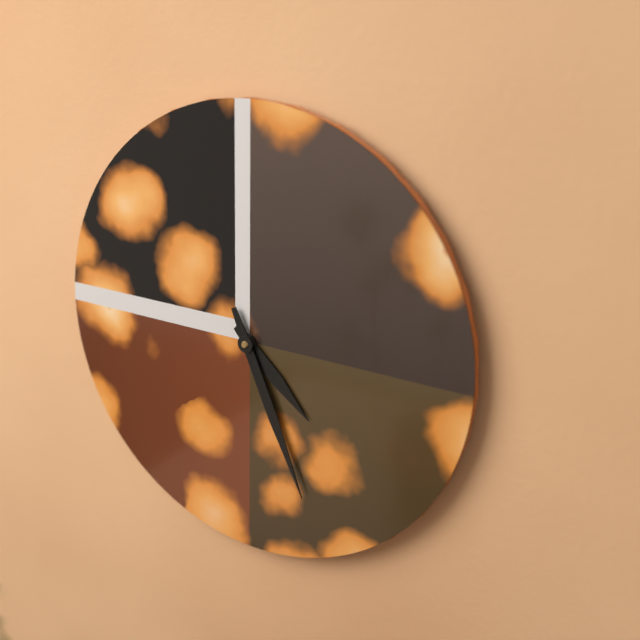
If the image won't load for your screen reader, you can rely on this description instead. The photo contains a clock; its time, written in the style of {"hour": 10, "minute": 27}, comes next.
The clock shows {"hour": 4, "minute": 26}
